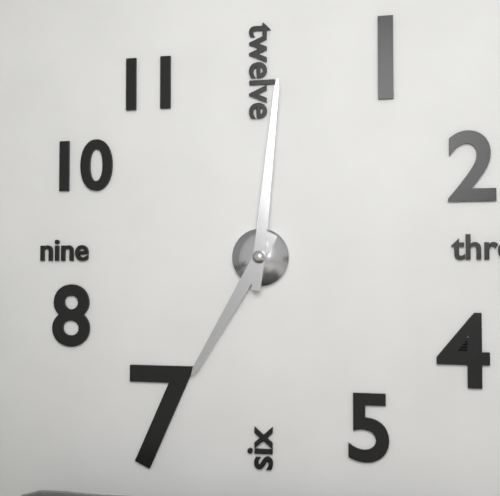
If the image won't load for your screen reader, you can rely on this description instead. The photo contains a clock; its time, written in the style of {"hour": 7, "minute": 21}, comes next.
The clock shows {"hour": 7, "minute": 1}
